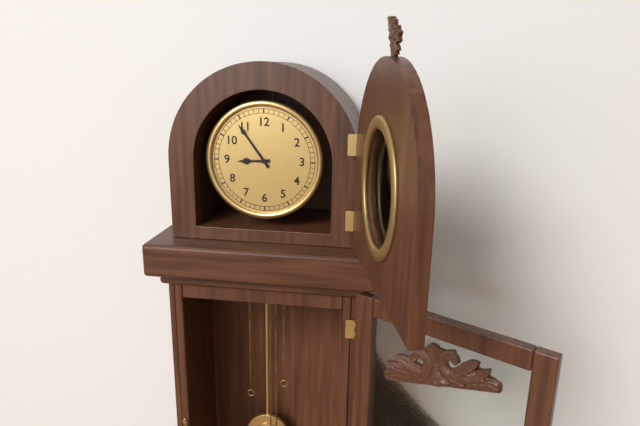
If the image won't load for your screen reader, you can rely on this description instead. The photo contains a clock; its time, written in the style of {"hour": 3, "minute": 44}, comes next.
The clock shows {"hour": 8, "minute": 54}
